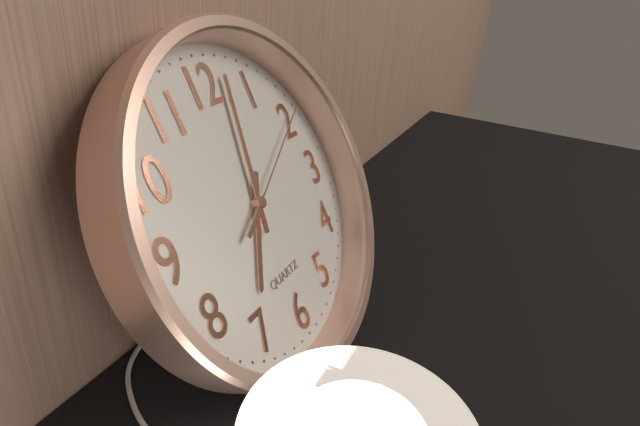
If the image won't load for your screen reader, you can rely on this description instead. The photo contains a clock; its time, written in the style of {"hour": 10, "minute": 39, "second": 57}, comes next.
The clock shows {"hour": 7, "minute": 2, "second": 10}
